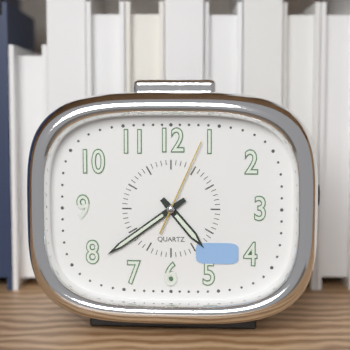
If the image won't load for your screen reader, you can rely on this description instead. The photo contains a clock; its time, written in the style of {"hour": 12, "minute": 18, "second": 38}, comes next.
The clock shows {"hour": 4, "minute": 39, "second": 4}
